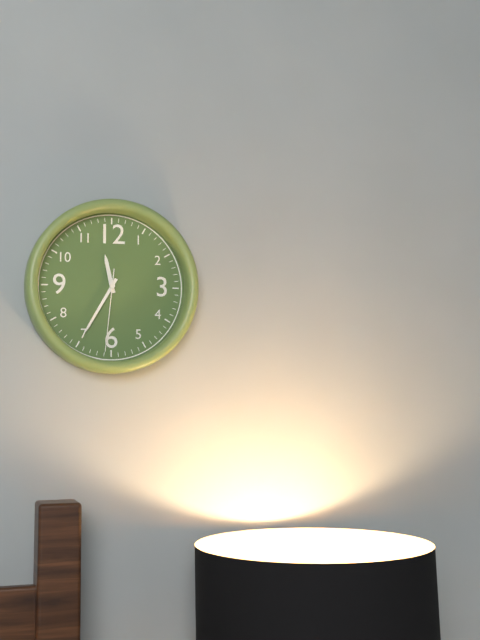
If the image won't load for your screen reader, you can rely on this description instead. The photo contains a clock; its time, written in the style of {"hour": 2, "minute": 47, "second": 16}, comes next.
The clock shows {"hour": 11, "minute": 35, "second": 31}
